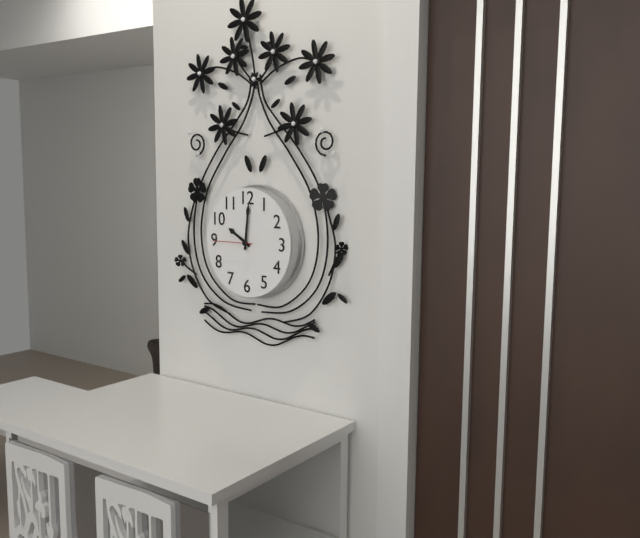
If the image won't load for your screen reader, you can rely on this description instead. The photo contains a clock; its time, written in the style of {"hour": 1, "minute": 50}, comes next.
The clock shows {"hour": 10, "minute": 1}
